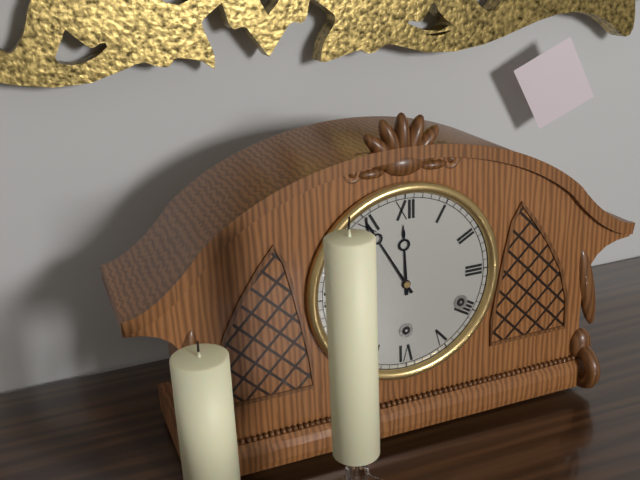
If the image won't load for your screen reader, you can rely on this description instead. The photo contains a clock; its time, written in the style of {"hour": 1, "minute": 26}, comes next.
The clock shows {"hour": 11, "minute": 55}
